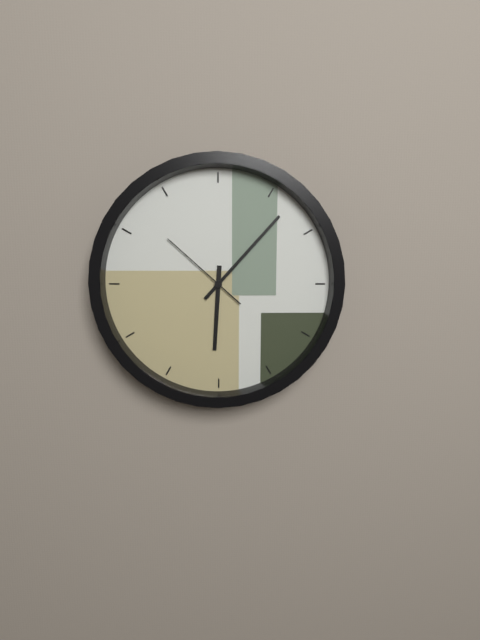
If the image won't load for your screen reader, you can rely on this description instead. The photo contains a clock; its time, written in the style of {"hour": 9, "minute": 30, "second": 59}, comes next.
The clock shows {"hour": 6, "minute": 7, "second": 52}
